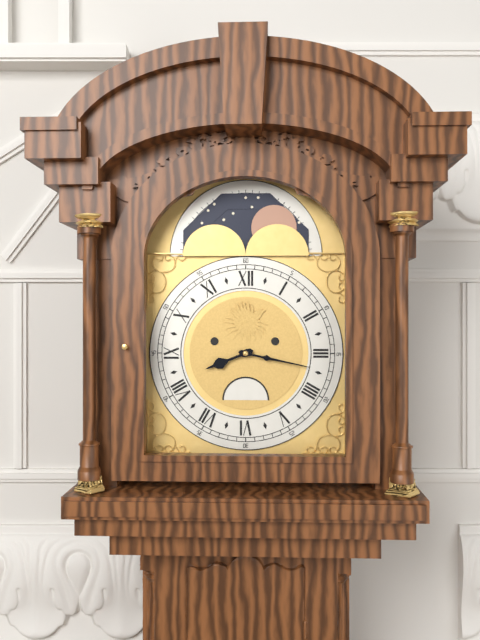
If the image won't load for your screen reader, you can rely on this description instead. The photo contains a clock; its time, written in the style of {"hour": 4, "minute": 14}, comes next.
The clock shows {"hour": 8, "minute": 17}
